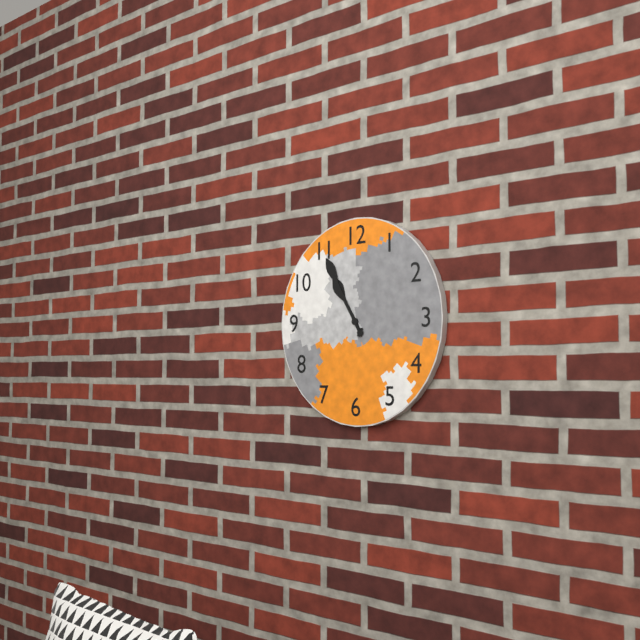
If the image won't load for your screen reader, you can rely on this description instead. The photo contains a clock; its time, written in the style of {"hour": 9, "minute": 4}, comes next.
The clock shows {"hour": 10, "minute": 55}
